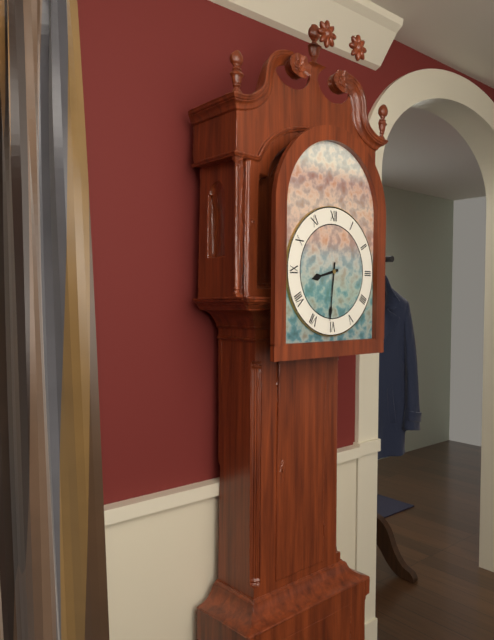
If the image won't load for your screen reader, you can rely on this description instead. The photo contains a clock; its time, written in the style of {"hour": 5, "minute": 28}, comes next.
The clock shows {"hour": 8, "minute": 31}
